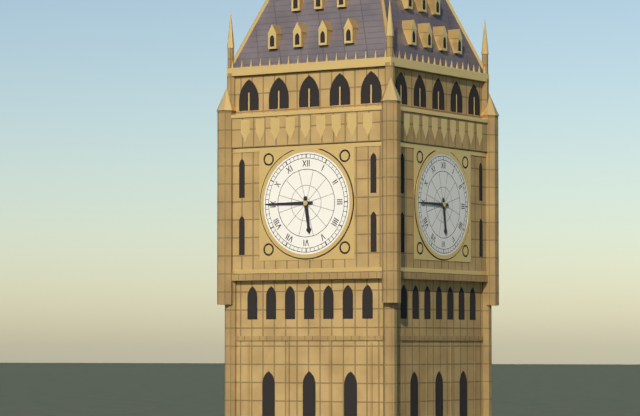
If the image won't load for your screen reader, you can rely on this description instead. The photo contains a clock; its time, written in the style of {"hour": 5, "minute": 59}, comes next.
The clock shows {"hour": 5, "minute": 45}
